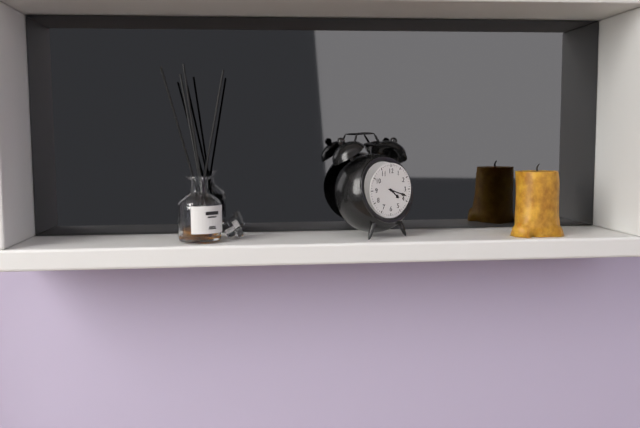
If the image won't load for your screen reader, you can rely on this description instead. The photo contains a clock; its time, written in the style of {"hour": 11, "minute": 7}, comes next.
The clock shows {"hour": 4, "minute": 18}
